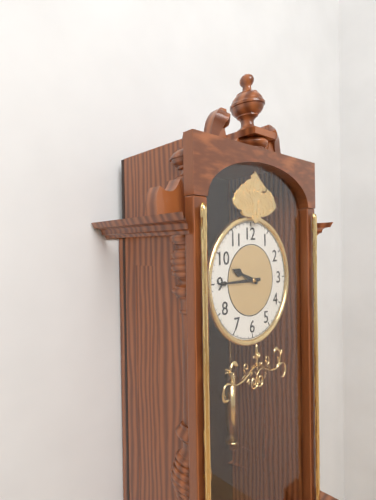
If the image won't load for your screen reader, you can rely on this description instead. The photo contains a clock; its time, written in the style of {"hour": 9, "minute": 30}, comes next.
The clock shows {"hour": 9, "minute": 45}
